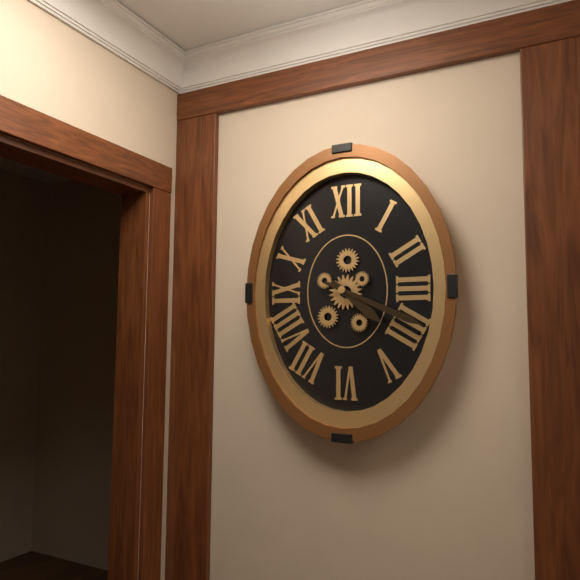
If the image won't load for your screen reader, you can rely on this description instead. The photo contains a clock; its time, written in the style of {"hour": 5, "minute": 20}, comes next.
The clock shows {"hour": 4, "minute": 19}
